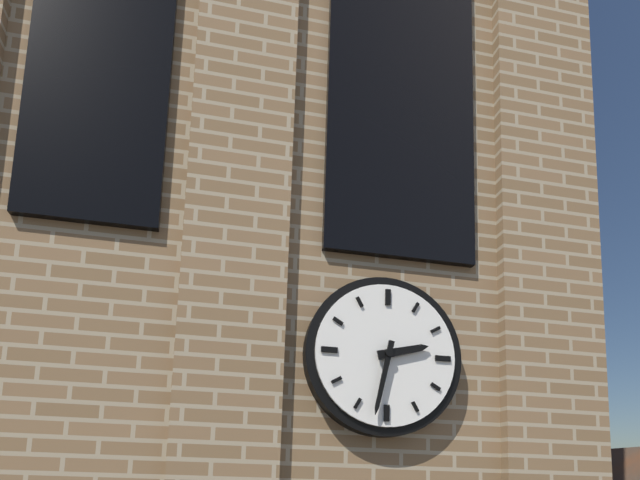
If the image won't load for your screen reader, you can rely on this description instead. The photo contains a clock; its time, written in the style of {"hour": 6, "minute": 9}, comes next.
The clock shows {"hour": 2, "minute": 32}
